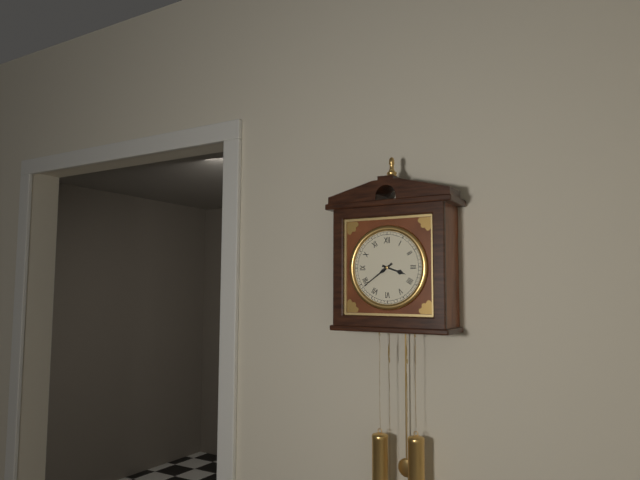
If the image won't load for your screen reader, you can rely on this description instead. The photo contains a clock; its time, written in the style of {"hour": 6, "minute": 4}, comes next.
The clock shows {"hour": 3, "minute": 39}
